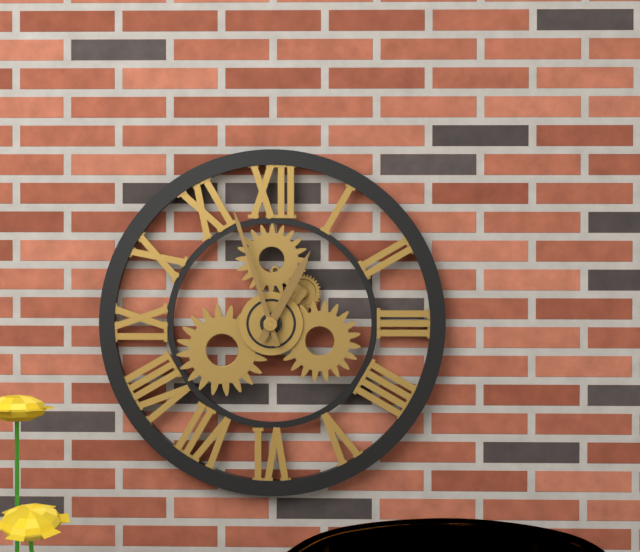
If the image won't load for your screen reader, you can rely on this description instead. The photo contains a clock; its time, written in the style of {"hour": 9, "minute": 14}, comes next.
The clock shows {"hour": 12, "minute": 57}
